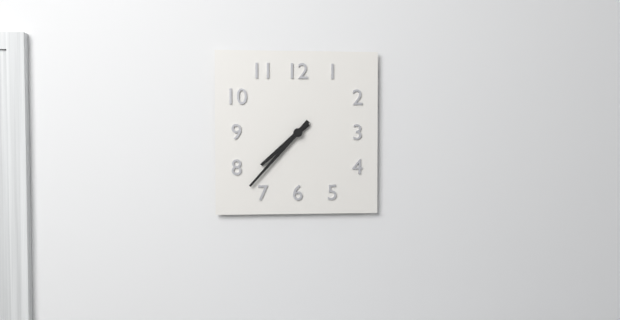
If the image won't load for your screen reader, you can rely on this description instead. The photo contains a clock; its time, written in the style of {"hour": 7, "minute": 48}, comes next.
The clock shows {"hour": 7, "minute": 37}
